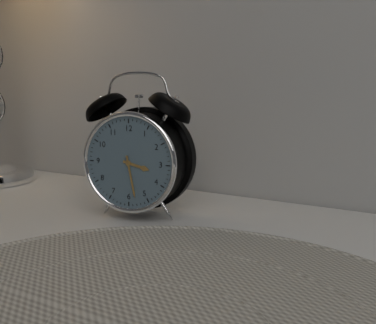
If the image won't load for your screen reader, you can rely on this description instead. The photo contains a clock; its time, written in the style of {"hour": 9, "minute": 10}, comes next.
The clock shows {"hour": 3, "minute": 28}
